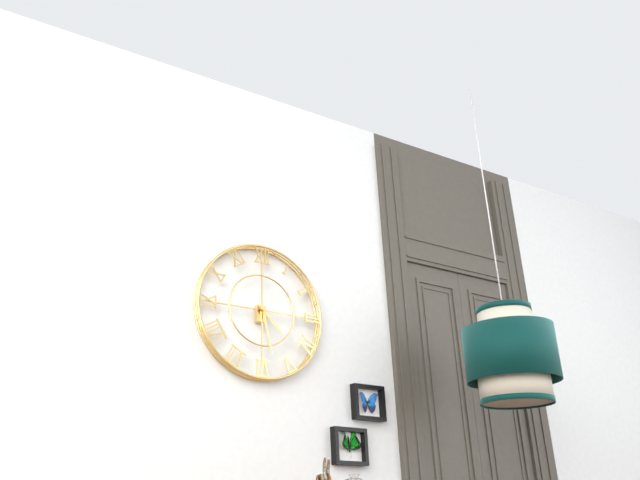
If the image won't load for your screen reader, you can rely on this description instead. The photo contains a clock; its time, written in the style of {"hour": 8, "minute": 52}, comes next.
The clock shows {"hour": 4, "minute": 28}
